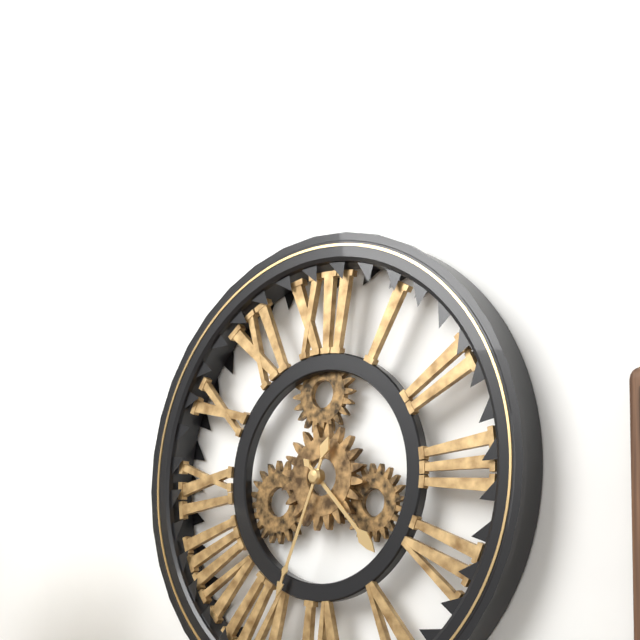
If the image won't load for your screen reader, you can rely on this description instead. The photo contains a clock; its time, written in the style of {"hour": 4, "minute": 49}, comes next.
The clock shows {"hour": 4, "minute": 34}
